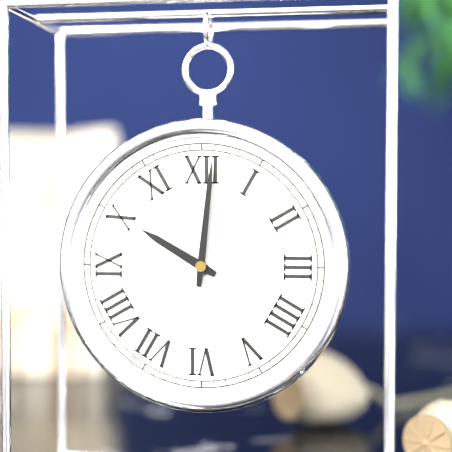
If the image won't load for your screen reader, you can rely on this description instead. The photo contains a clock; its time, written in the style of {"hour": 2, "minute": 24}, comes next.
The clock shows {"hour": 10, "minute": 1}
